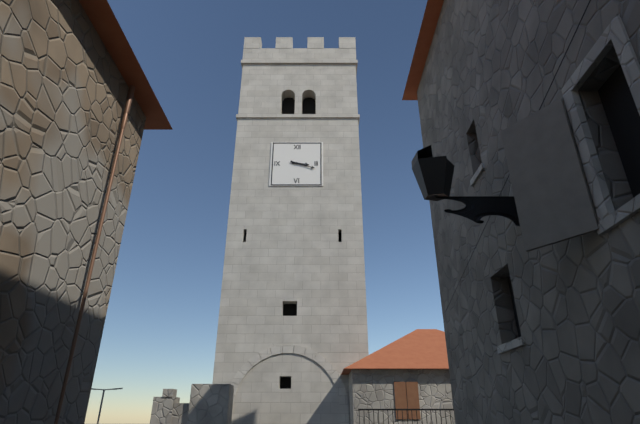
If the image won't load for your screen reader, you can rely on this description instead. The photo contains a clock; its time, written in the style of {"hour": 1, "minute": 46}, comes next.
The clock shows {"hour": 3, "minute": 18}
